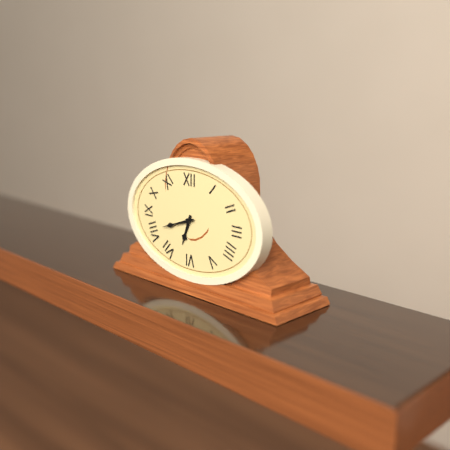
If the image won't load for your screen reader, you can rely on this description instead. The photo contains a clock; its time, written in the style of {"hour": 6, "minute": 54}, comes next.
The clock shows {"hour": 6, "minute": 42}
